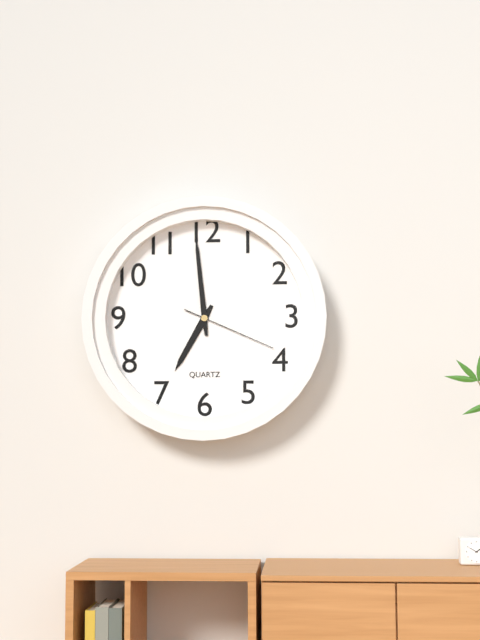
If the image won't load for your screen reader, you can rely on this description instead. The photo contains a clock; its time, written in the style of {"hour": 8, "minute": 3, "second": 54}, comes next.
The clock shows {"hour": 6, "minute": 59, "second": 19}
